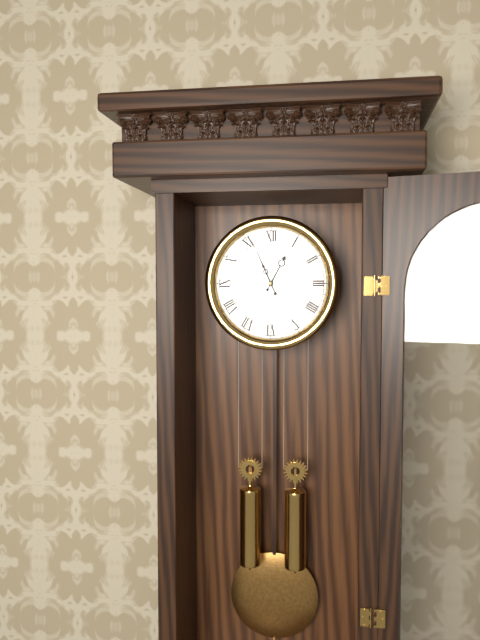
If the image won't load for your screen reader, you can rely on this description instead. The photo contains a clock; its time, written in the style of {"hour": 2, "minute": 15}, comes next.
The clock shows {"hour": 12, "minute": 56}
